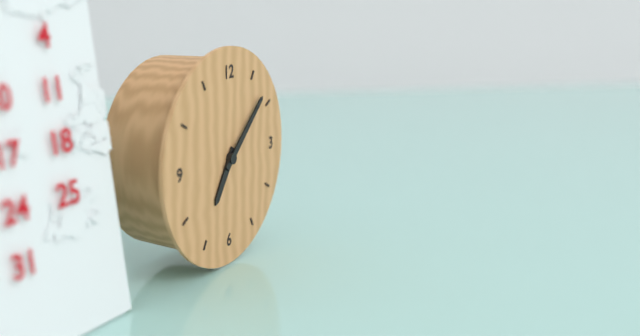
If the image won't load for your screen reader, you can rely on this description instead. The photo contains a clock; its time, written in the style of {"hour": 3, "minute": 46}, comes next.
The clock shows {"hour": 7, "minute": 8}
